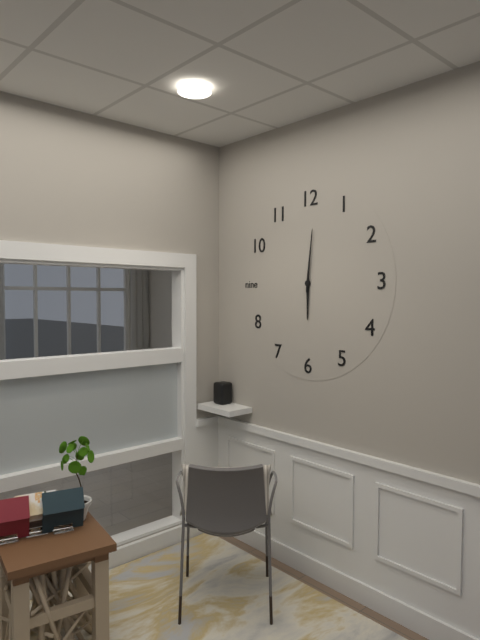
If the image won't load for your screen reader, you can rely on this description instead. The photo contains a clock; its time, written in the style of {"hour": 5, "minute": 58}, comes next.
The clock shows {"hour": 6, "minute": 1}
